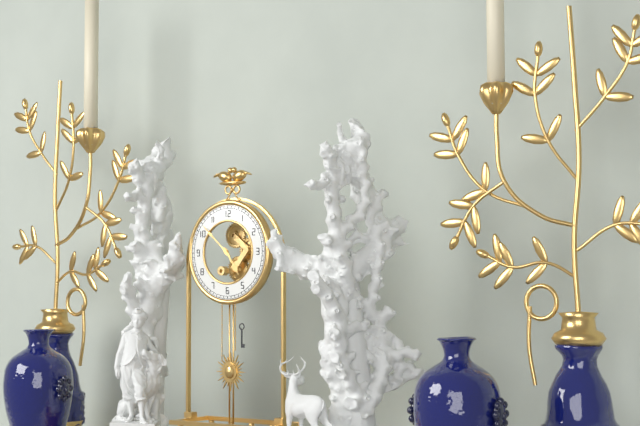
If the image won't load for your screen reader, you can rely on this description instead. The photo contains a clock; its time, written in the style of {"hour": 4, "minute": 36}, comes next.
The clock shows {"hour": 4, "minute": 52}
